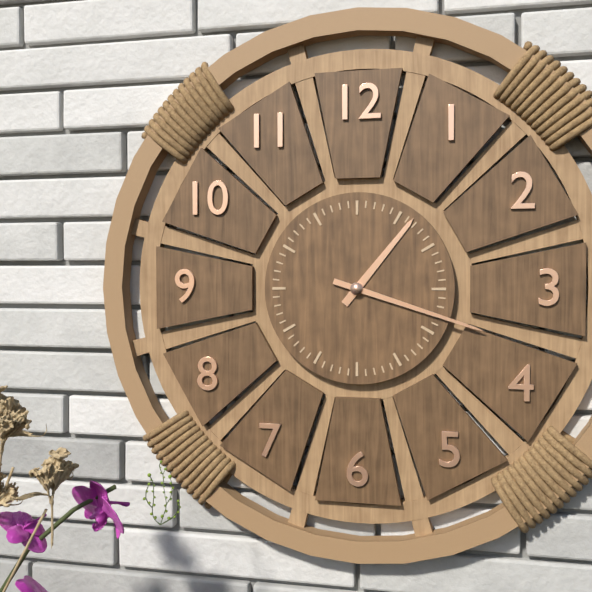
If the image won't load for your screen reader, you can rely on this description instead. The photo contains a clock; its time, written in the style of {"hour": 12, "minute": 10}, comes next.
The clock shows {"hour": 1, "minute": 18}
